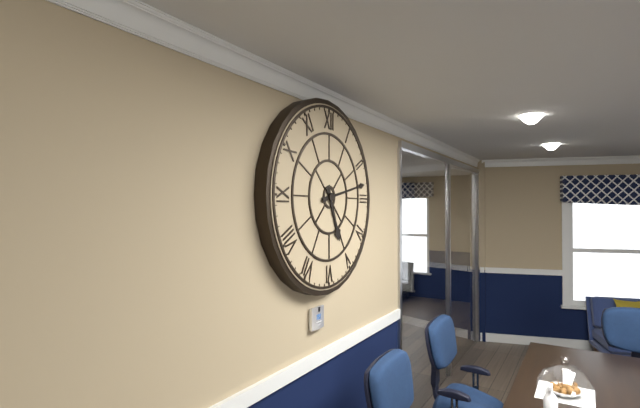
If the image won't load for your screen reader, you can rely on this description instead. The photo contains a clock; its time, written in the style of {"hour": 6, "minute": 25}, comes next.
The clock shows {"hour": 5, "minute": 13}
